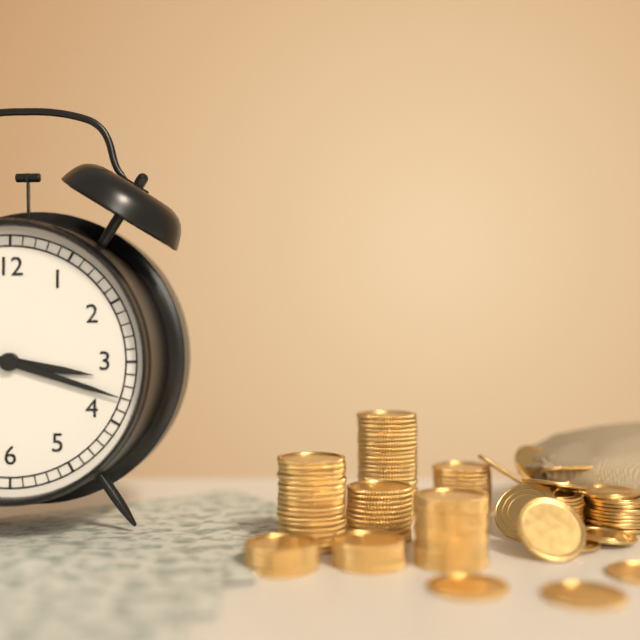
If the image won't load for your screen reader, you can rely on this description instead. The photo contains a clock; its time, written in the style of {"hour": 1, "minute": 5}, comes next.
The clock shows {"hour": 3, "minute": 18}
